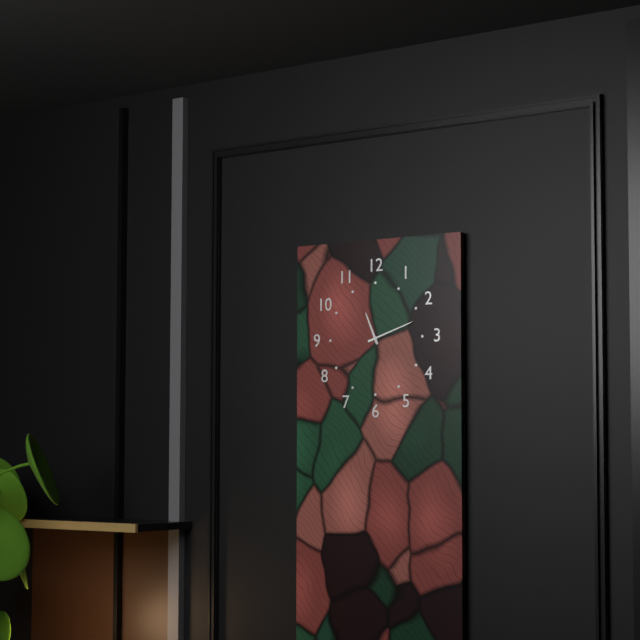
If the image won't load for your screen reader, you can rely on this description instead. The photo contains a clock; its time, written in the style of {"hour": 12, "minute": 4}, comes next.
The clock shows {"hour": 11, "minute": 12}
